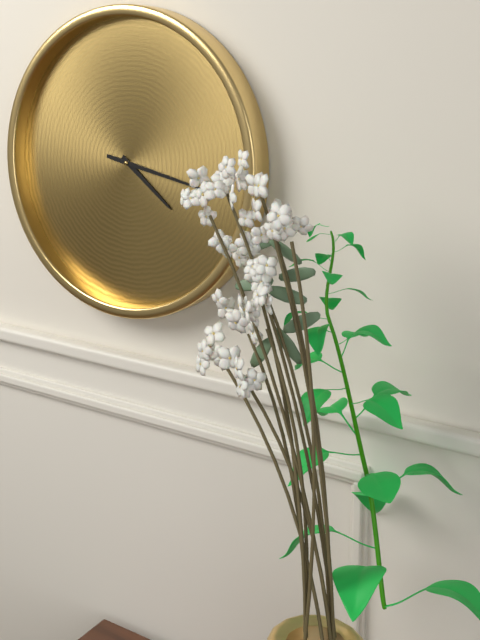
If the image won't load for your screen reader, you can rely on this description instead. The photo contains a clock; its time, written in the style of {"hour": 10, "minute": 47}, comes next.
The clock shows {"hour": 4, "minute": 17}
